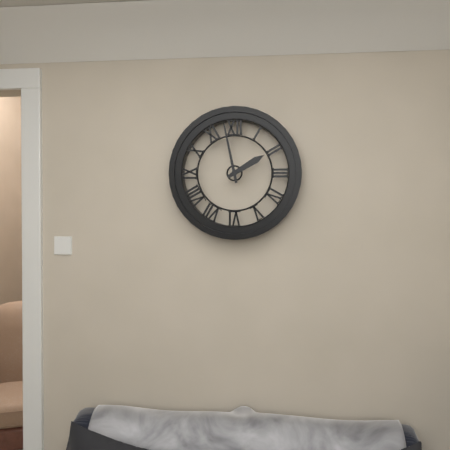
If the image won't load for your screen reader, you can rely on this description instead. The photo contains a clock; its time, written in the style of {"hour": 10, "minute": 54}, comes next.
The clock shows {"hour": 1, "minute": 58}
